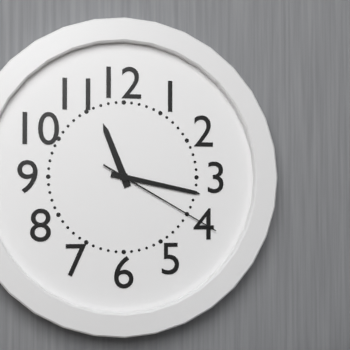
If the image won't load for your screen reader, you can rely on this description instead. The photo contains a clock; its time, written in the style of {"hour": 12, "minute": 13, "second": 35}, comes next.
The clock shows {"hour": 11, "minute": 17, "second": 20}
